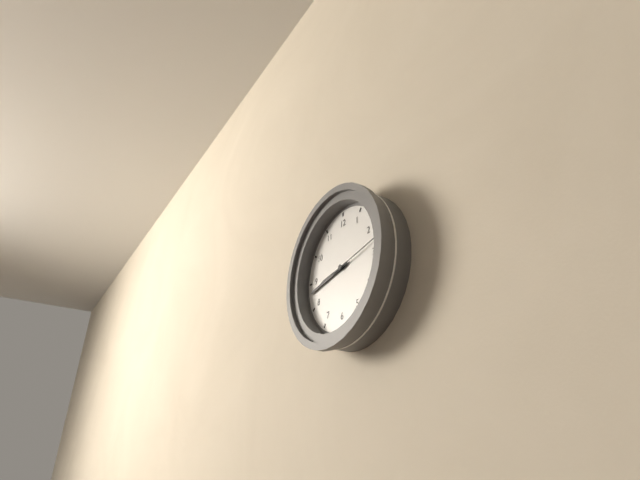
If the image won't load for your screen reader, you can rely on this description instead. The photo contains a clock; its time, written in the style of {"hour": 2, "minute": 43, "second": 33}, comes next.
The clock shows {"hour": 8, "minute": 43, "second": 13}
